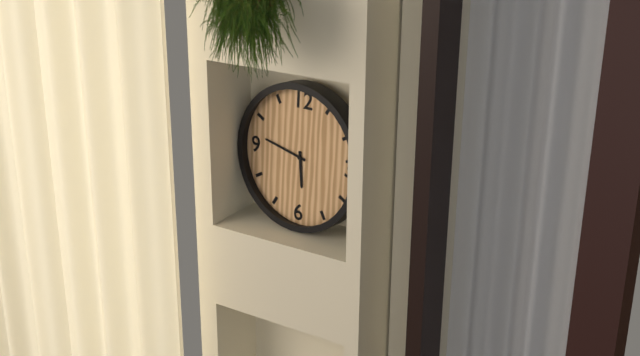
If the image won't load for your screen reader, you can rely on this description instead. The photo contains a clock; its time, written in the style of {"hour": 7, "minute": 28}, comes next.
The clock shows {"hour": 5, "minute": 47}
